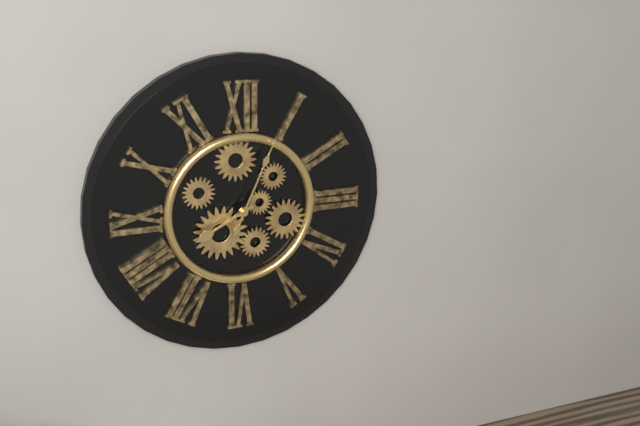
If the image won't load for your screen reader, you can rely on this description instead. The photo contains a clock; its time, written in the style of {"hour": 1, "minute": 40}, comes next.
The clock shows {"hour": 8, "minute": 4}
